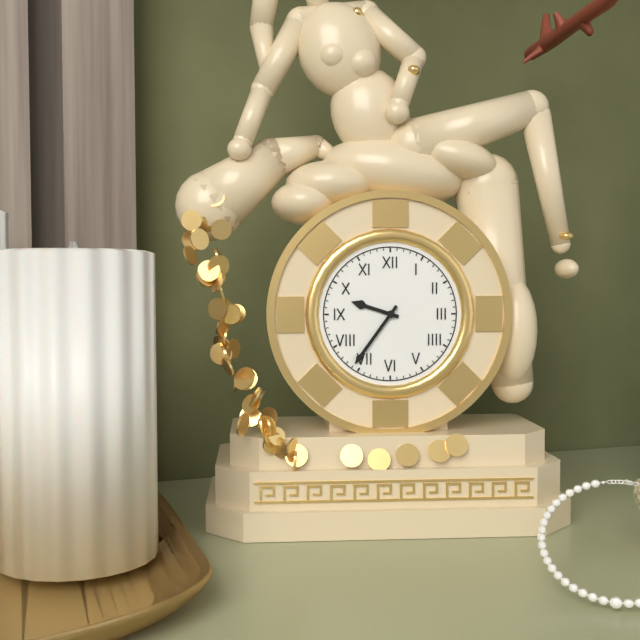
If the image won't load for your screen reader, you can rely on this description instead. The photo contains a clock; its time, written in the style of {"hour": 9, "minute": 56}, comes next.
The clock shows {"hour": 9, "minute": 36}
